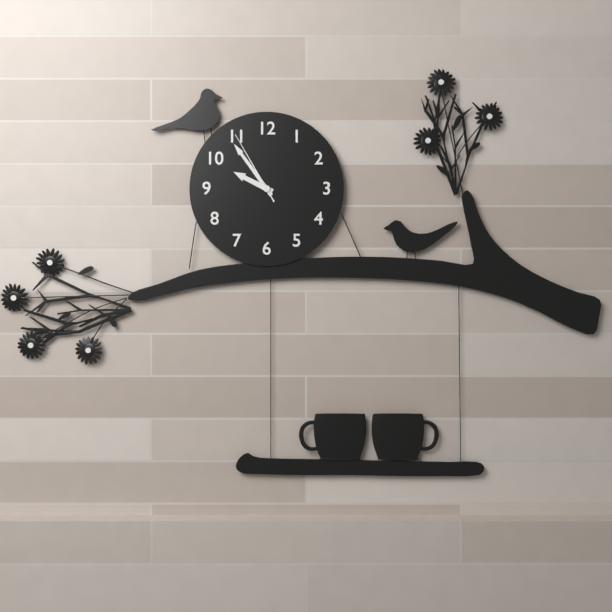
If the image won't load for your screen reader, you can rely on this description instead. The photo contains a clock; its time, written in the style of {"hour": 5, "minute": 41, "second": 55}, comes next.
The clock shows {"hour": 9, "minute": 54, "second": 55}
